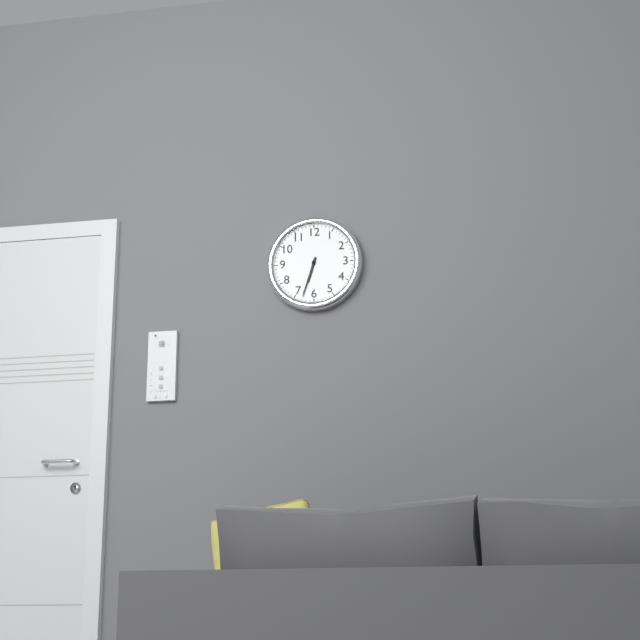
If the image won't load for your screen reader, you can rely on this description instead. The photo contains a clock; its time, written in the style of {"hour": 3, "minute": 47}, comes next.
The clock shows {"hour": 6, "minute": 33}
